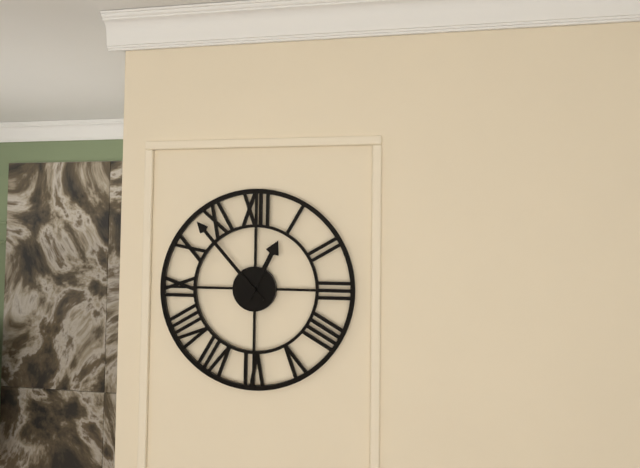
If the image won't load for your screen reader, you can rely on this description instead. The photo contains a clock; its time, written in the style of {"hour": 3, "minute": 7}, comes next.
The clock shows {"hour": 12, "minute": 53}
